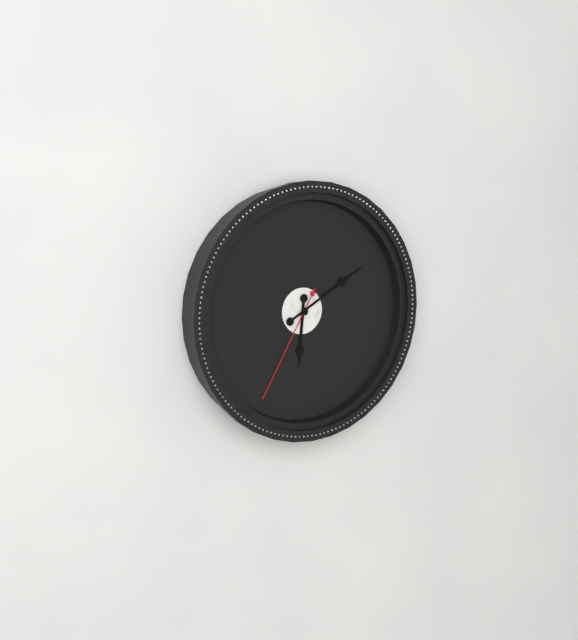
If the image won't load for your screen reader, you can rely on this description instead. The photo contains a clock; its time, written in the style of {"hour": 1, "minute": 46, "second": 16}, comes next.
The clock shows {"hour": 6, "minute": 10, "second": 35}
